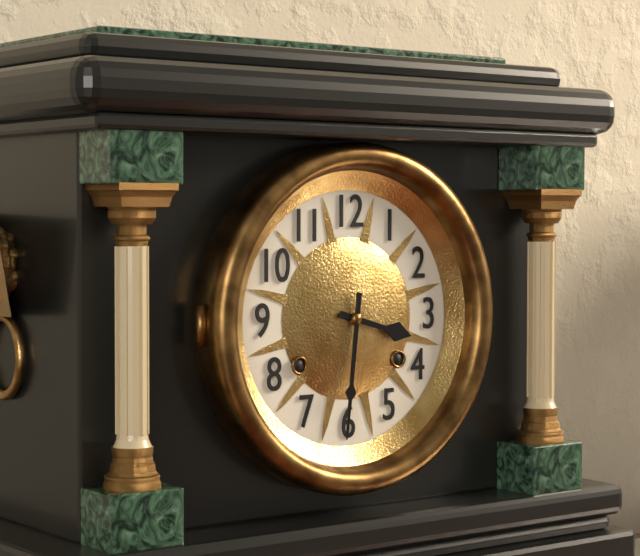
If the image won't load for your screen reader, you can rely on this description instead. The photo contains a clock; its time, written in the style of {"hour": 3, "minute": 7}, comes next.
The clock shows {"hour": 3, "minute": 31}
